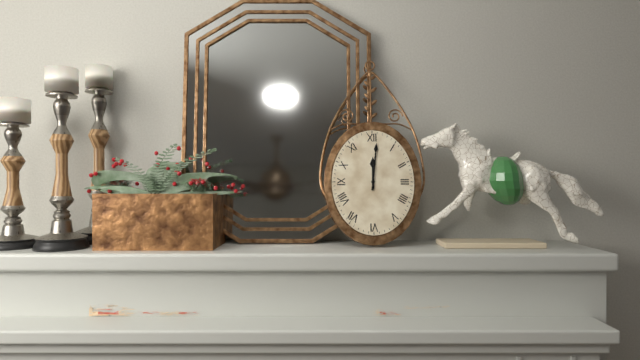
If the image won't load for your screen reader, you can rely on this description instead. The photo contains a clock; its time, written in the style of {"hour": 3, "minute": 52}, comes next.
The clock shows {"hour": 12, "minute": 1}
